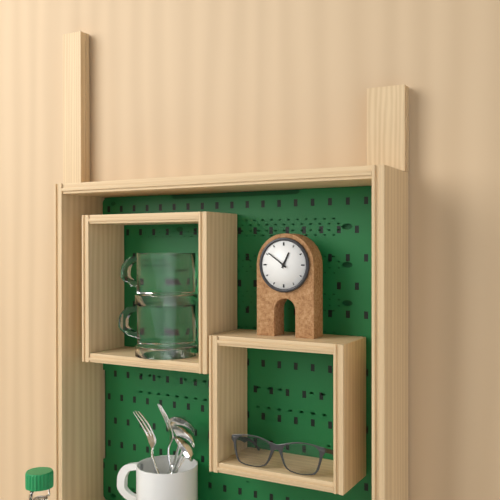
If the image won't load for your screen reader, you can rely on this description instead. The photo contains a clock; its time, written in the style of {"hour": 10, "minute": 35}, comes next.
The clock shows {"hour": 12, "minute": 51}
